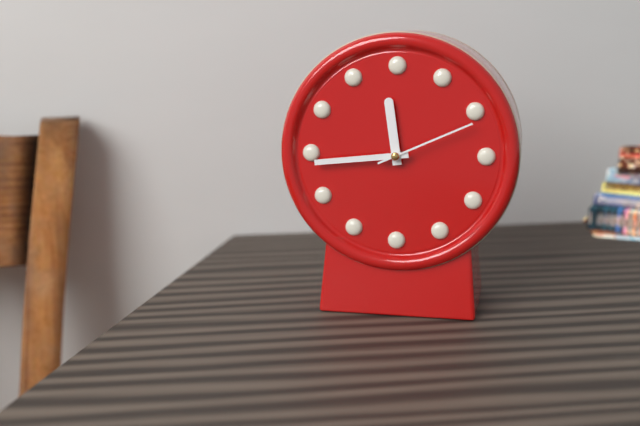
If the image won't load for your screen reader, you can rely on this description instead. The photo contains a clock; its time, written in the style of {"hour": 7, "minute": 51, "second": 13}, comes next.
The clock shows {"hour": 11, "minute": 44, "second": 11}
